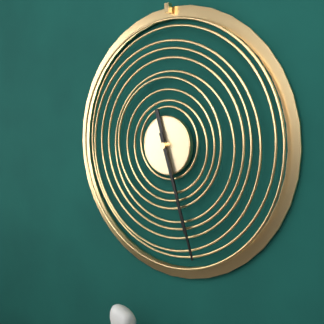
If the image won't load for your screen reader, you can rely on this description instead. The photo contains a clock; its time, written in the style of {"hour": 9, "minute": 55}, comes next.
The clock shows {"hour": 5, "minute": 27}
